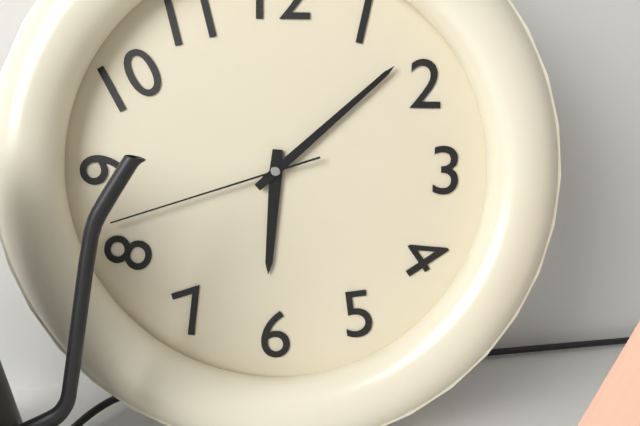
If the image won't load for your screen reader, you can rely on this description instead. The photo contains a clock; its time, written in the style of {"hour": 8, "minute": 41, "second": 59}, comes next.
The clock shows {"hour": 6, "minute": 8, "second": 42}
